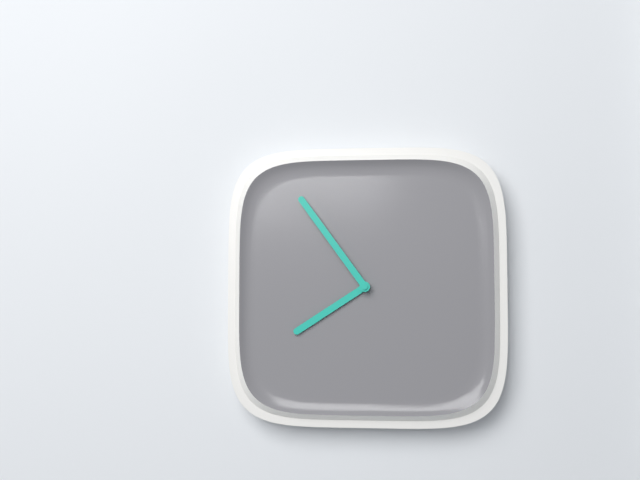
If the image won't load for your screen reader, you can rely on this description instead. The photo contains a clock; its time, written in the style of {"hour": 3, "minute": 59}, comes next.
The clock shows {"hour": 7, "minute": 54}
